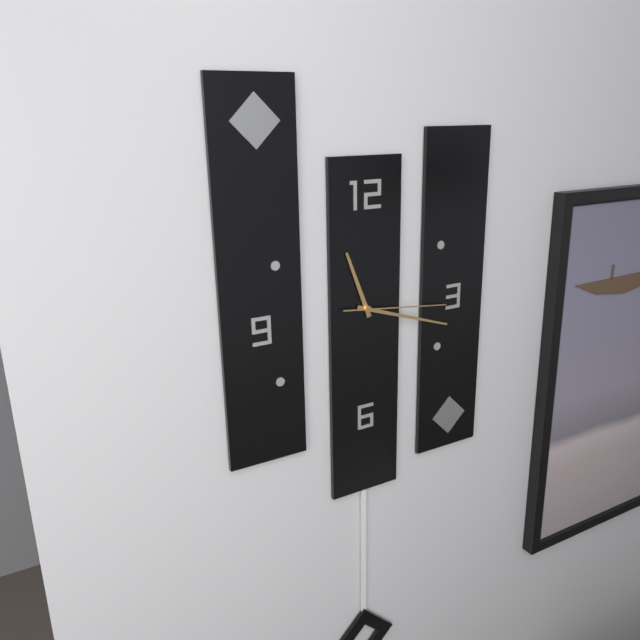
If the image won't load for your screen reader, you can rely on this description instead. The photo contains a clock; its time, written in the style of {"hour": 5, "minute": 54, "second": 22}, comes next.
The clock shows {"hour": 11, "minute": 18, "second": 16}
